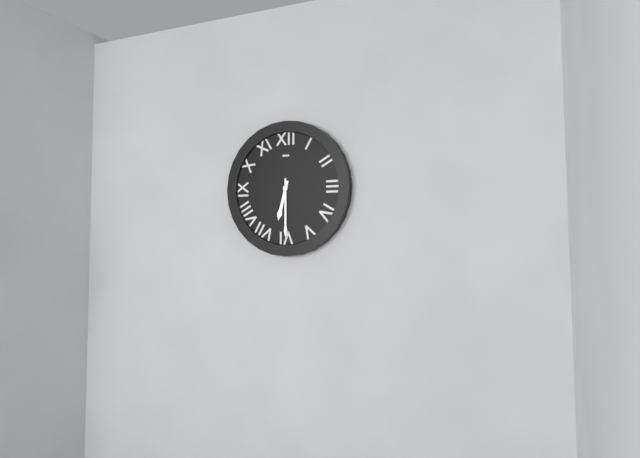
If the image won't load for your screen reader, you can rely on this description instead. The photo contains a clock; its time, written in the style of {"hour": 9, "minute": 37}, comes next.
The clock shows {"hour": 6, "minute": 30}
